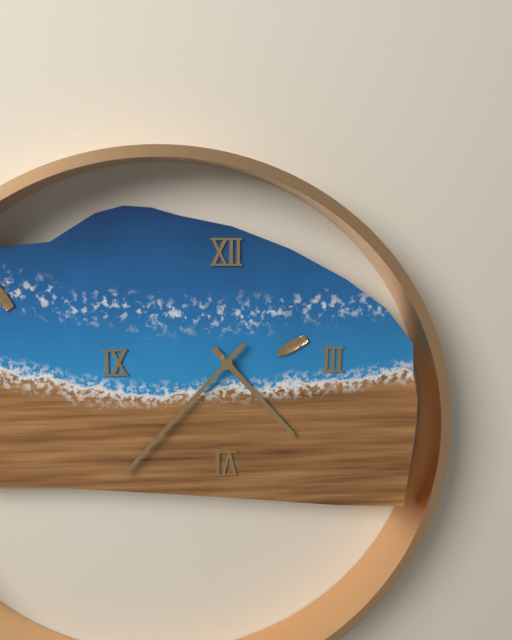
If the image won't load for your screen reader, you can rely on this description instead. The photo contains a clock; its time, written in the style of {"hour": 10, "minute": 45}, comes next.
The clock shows {"hour": 4, "minute": 37}
